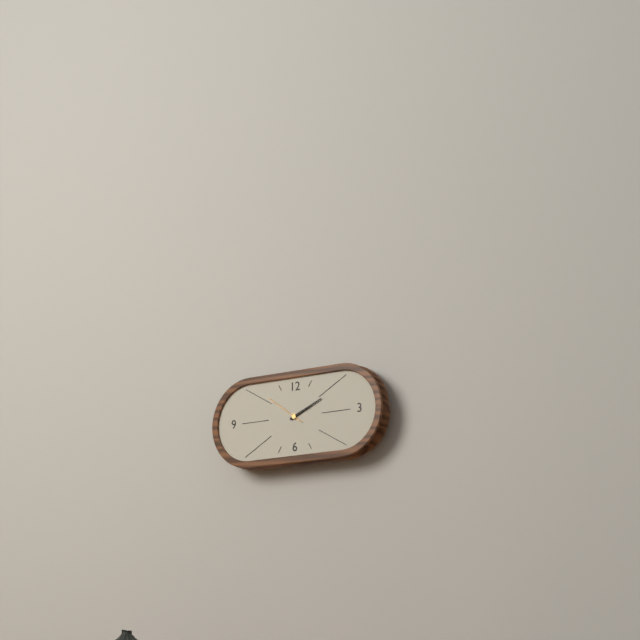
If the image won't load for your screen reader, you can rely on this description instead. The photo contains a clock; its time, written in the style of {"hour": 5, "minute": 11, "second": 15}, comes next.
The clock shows {"hour": 2, "minute": 11, "second": 51}
